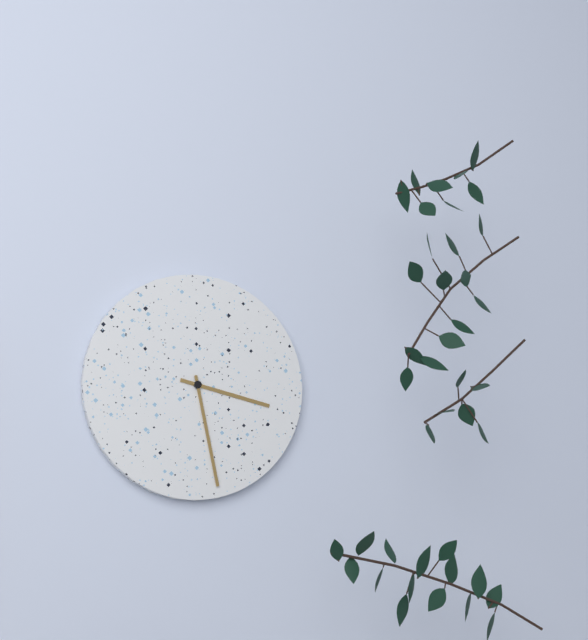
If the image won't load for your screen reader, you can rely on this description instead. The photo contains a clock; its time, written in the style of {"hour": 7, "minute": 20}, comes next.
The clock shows {"hour": 3, "minute": 28}
